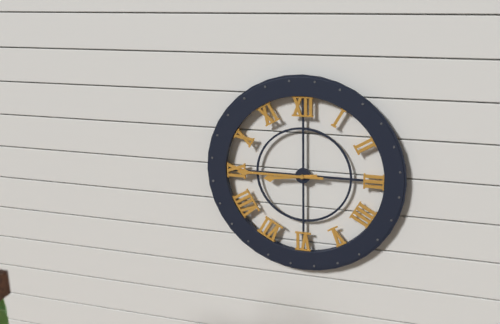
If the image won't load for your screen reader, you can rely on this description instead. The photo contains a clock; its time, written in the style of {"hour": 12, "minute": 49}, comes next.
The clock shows {"hour": 8, "minute": 45}
